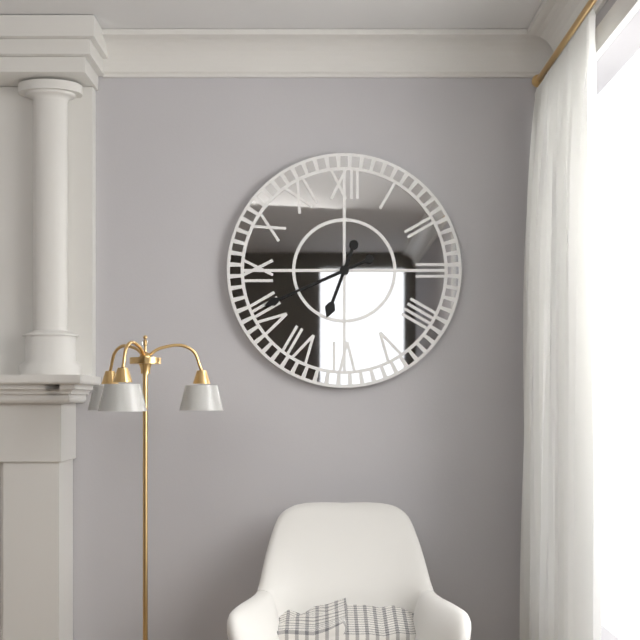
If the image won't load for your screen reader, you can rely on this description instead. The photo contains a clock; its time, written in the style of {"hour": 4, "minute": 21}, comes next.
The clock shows {"hour": 6, "minute": 41}
